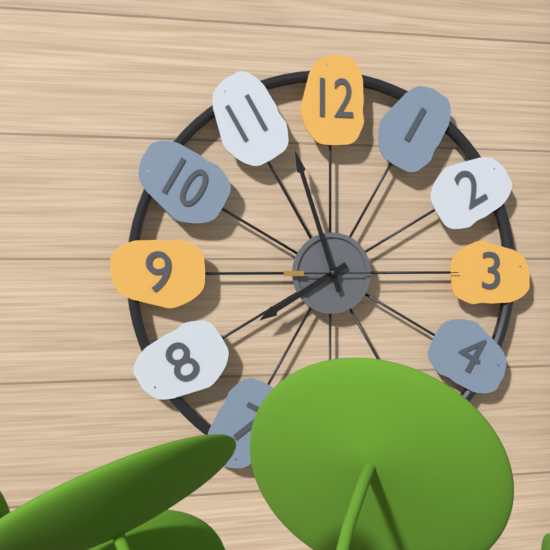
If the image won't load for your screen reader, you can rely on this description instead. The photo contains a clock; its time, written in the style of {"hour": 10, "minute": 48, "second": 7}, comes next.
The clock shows {"hour": 7, "minute": 57, "second": 15}
